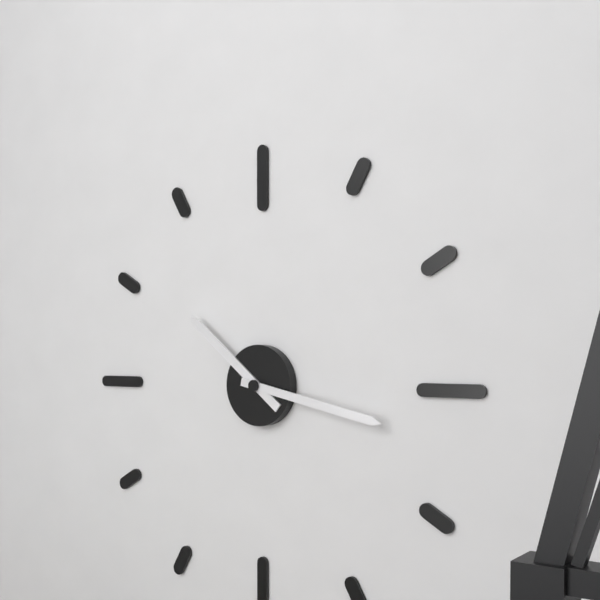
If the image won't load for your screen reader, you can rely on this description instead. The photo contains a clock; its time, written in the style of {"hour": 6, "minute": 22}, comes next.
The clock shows {"hour": 10, "minute": 17}
